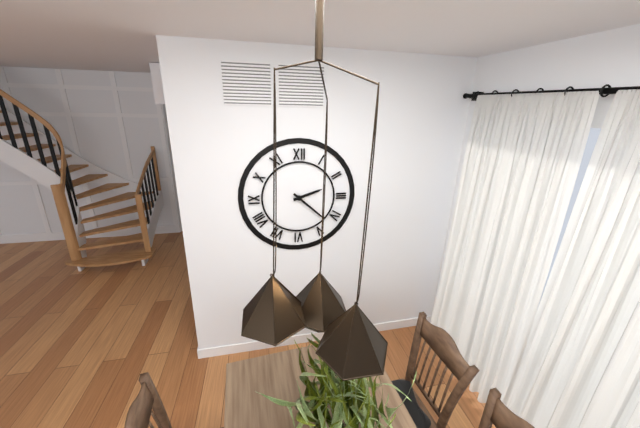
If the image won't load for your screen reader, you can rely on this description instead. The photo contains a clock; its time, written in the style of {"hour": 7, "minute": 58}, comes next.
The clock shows {"hour": 2, "minute": 22}
